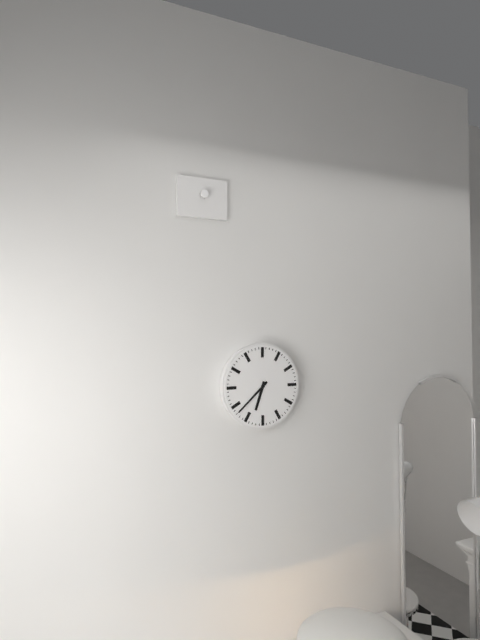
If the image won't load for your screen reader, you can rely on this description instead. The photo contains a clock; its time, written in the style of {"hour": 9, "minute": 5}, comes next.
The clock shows {"hour": 6, "minute": 38}
